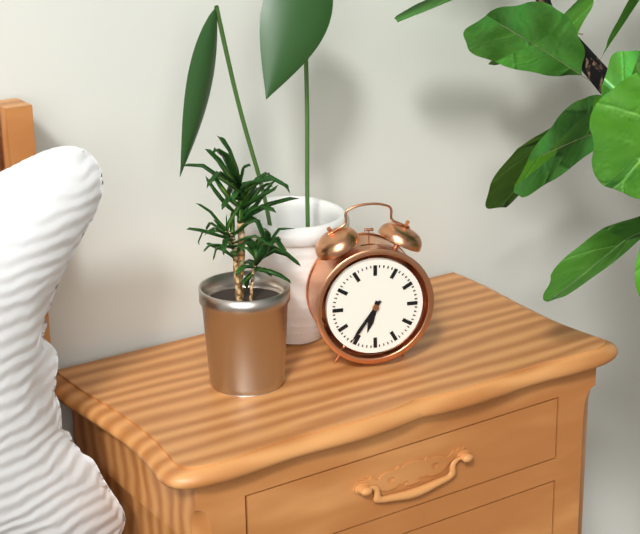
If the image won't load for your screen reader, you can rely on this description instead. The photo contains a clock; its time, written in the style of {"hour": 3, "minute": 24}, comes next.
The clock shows {"hour": 6, "minute": 36}
